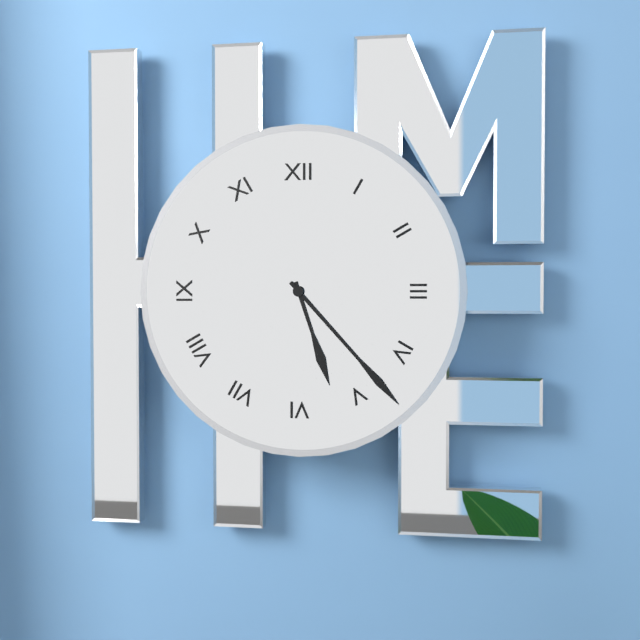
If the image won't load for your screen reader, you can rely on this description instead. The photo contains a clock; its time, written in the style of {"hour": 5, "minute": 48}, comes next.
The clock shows {"hour": 5, "minute": 23}
